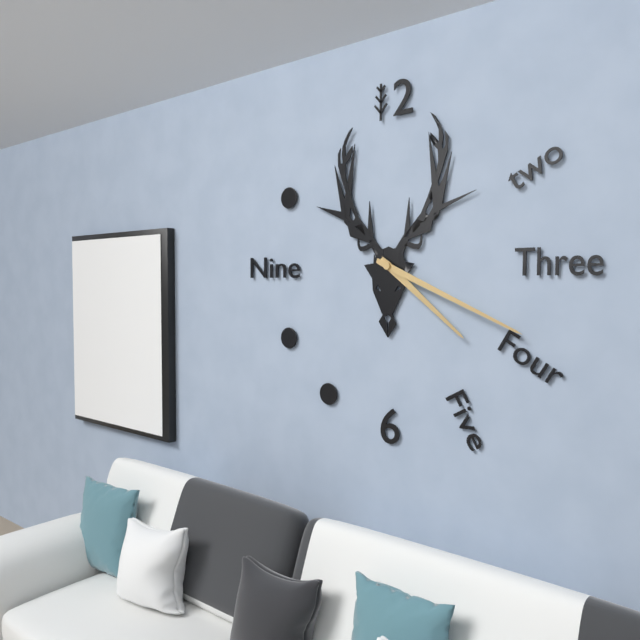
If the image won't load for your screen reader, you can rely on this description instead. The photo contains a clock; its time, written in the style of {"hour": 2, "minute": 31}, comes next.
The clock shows {"hour": 4, "minute": 19}
